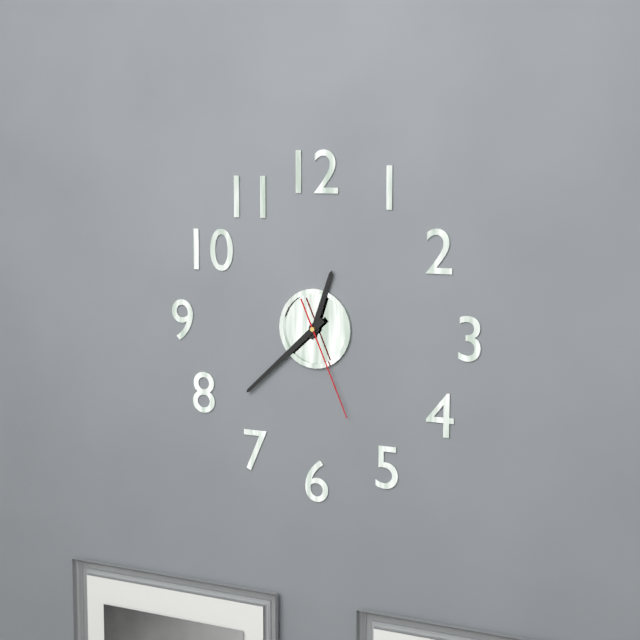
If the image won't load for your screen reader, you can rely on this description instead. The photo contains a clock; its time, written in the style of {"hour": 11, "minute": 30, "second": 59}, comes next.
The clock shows {"hour": 12, "minute": 38, "second": 26}
